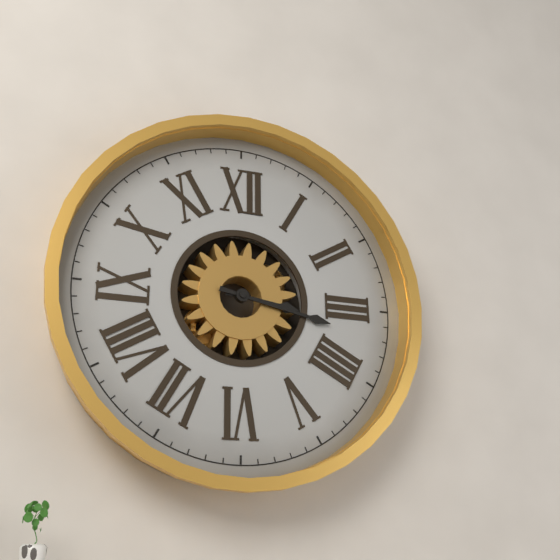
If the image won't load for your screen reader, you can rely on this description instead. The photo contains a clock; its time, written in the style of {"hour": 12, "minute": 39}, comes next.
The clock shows {"hour": 3, "minute": 17}
